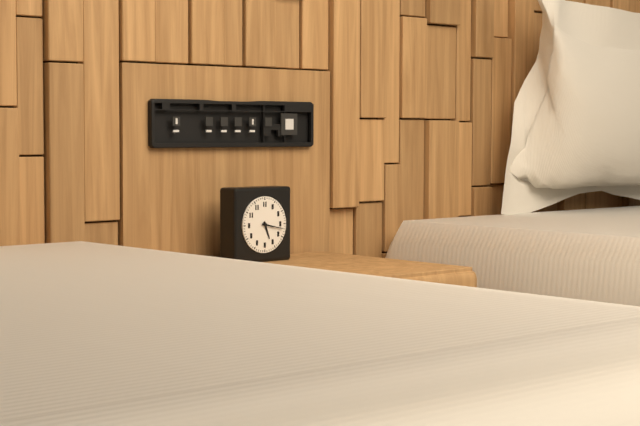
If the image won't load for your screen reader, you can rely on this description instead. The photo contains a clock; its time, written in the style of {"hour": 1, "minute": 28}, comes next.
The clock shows {"hour": 5, "minute": 17}
